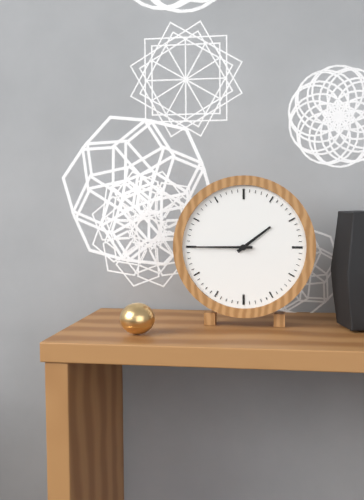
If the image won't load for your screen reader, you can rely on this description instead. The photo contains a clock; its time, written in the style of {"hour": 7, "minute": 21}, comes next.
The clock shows {"hour": 1, "minute": 45}
